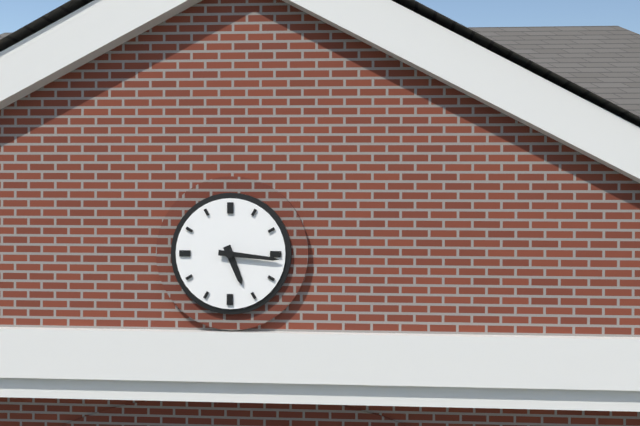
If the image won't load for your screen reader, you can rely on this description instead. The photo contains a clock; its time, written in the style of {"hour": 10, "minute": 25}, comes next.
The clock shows {"hour": 5, "minute": 16}
